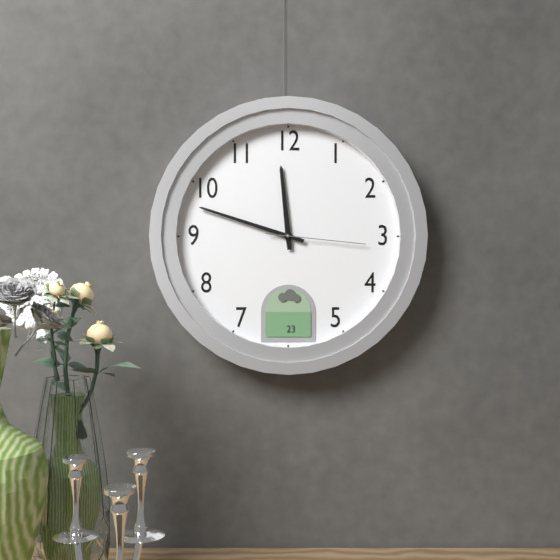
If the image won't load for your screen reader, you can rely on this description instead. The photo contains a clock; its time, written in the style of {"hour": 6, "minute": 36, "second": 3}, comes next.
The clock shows {"hour": 11, "minute": 48, "second": 16}
